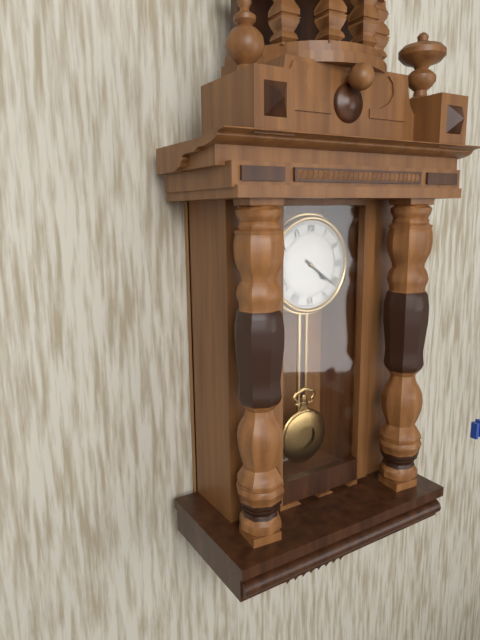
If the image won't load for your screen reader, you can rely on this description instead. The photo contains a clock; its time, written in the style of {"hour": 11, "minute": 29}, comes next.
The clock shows {"hour": 4, "minute": 21}
